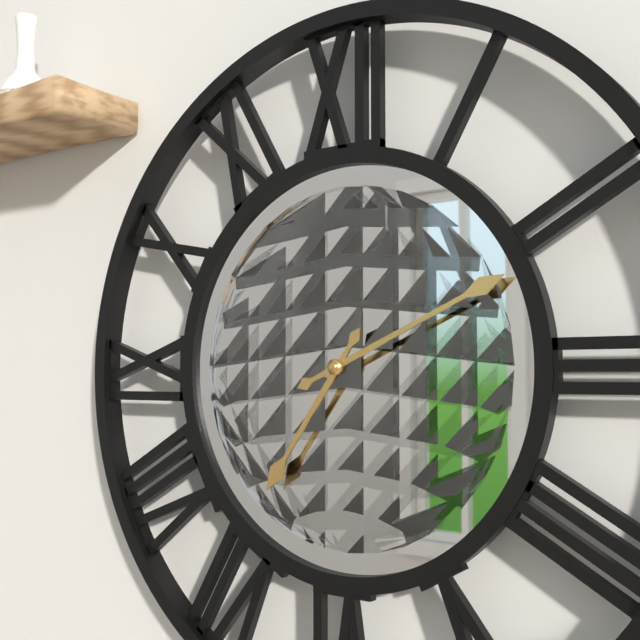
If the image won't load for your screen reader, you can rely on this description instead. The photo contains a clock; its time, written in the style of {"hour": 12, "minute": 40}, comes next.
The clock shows {"hour": 7, "minute": 11}
